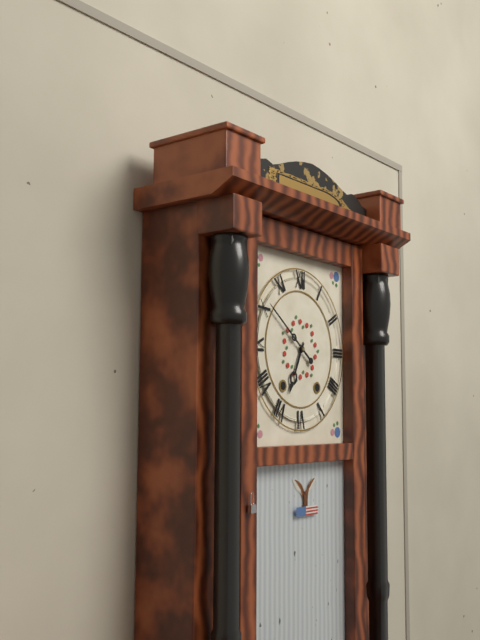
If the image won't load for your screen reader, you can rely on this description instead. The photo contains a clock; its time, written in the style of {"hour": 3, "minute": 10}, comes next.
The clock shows {"hour": 6, "minute": 51}
